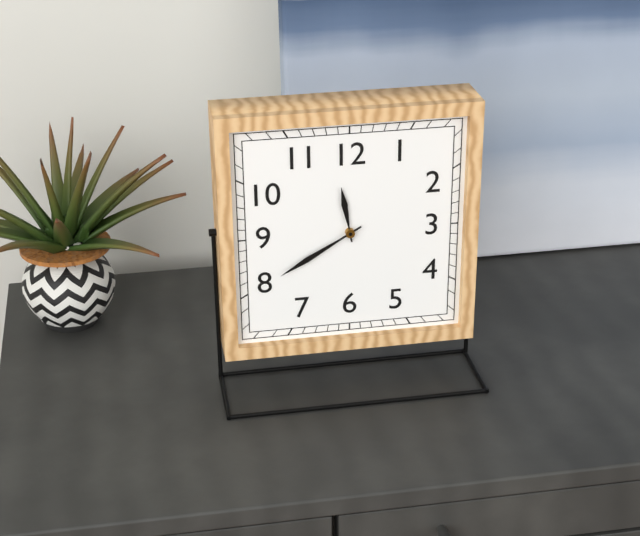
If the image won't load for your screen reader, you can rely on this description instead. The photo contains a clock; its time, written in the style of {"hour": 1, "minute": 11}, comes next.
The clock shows {"hour": 11, "minute": 40}
